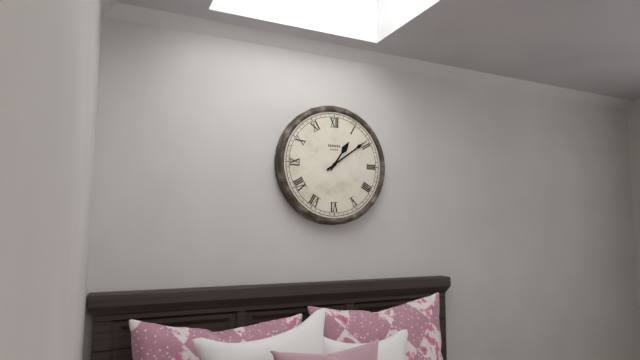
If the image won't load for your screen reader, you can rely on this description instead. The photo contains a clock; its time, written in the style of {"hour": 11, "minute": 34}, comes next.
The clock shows {"hour": 1, "minute": 9}
